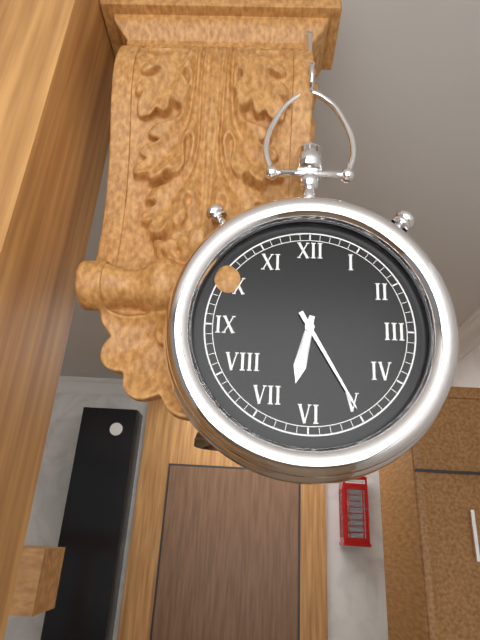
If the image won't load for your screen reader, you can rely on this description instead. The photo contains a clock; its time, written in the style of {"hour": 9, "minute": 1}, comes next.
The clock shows {"hour": 6, "minute": 25}
